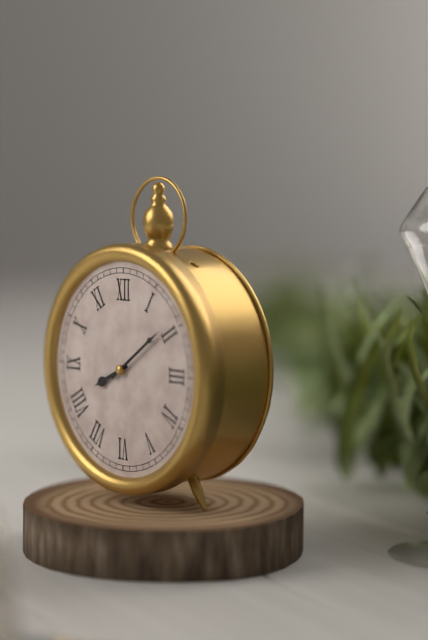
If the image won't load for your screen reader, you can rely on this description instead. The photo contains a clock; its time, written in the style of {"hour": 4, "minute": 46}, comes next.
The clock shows {"hour": 8, "minute": 9}
